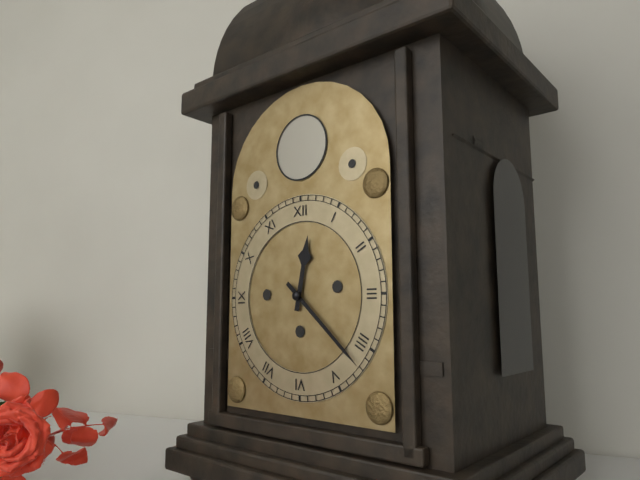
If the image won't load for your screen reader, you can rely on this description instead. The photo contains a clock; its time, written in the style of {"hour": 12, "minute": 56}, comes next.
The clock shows {"hour": 12, "minute": 22}
